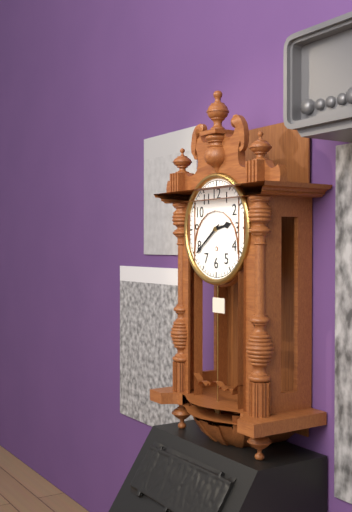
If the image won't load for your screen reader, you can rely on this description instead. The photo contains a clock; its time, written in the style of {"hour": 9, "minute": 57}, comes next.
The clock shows {"hour": 2, "minute": 39}
